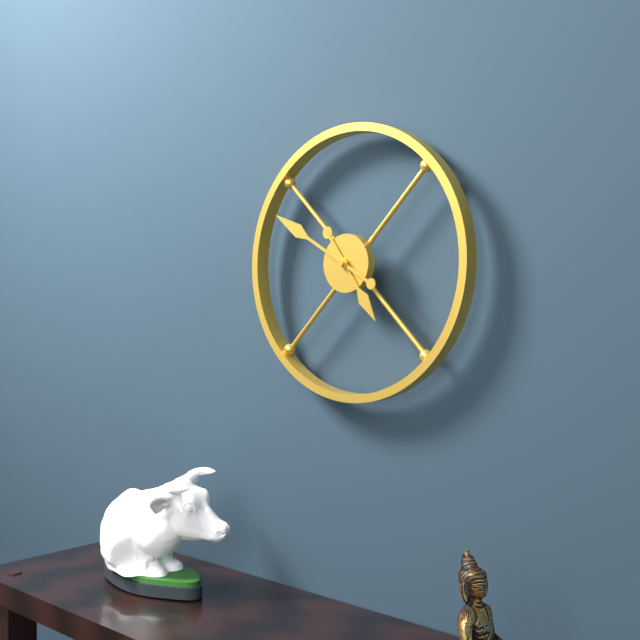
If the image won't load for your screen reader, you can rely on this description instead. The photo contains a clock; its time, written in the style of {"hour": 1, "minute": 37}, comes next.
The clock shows {"hour": 4, "minute": 50}
